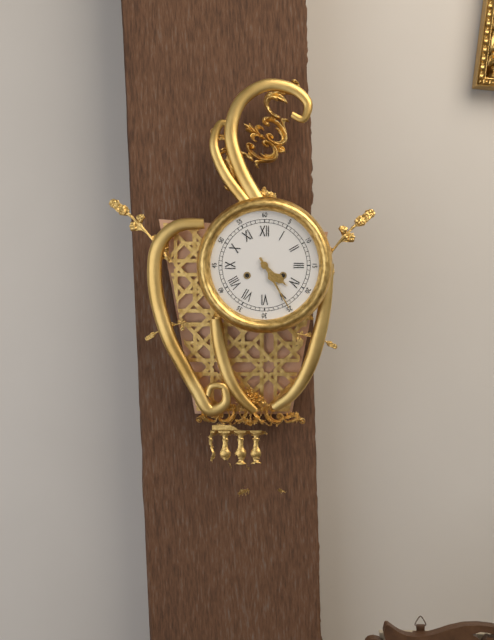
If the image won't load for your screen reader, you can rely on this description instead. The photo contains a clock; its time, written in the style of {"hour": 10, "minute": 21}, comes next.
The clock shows {"hour": 4, "minute": 25}
